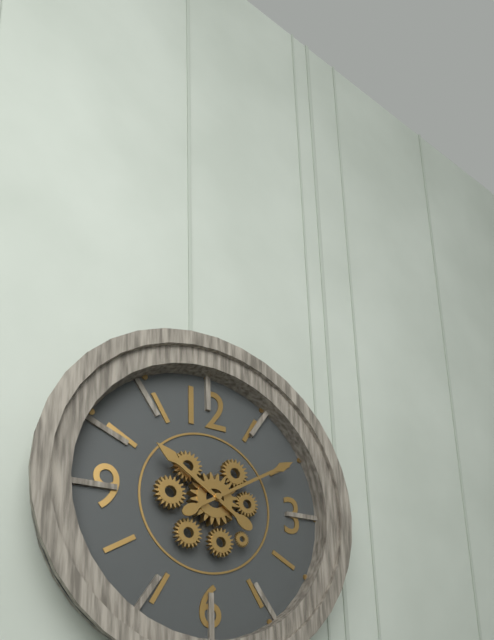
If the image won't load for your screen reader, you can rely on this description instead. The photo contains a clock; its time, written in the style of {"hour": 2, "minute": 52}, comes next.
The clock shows {"hour": 10, "minute": 10}
